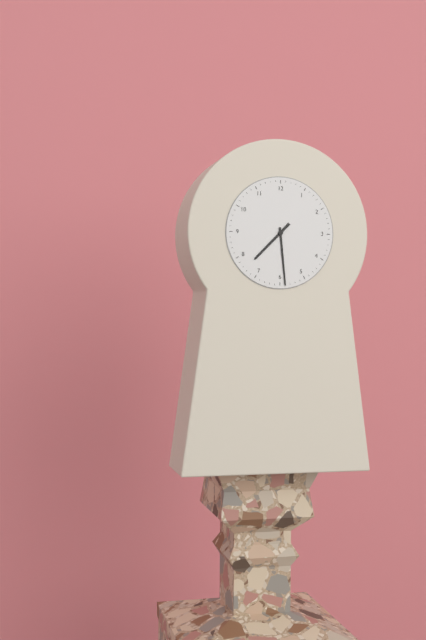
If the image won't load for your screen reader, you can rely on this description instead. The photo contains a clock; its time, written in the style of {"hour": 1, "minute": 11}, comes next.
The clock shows {"hour": 7, "minute": 29}
